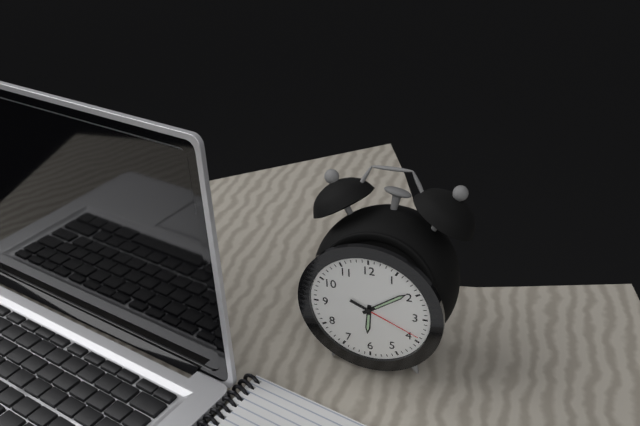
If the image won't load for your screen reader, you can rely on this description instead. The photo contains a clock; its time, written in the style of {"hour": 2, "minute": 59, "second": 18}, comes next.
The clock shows {"hour": 6, "minute": 9, "second": 19}
